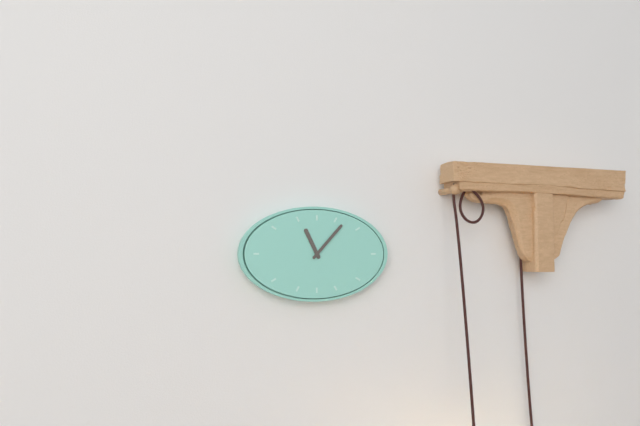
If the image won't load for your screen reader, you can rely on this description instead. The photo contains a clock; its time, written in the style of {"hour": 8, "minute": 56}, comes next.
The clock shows {"hour": 11, "minute": 7}
